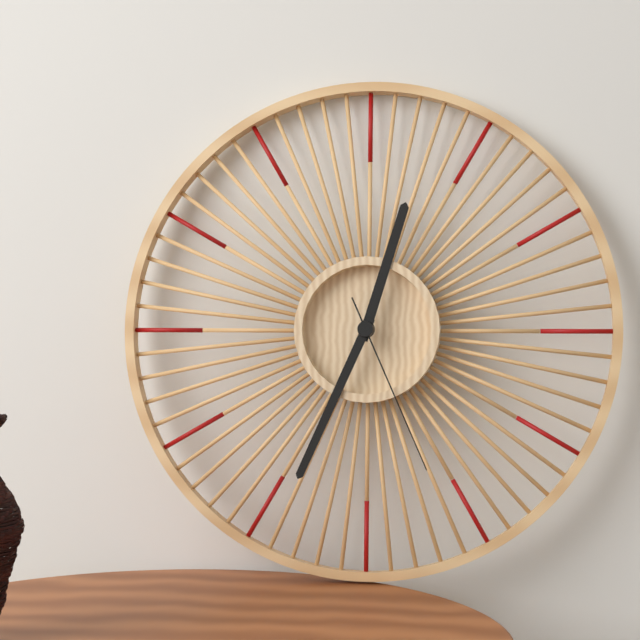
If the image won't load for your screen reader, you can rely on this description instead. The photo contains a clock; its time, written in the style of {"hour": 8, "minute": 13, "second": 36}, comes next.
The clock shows {"hour": 12, "minute": 34, "second": 26}
